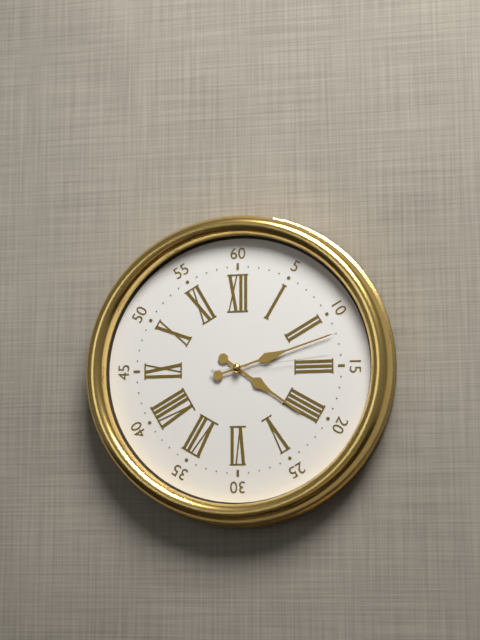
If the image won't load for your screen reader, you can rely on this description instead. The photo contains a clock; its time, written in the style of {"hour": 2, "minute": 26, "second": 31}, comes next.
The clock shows {"hour": 4, "minute": 12, "second": 14}
